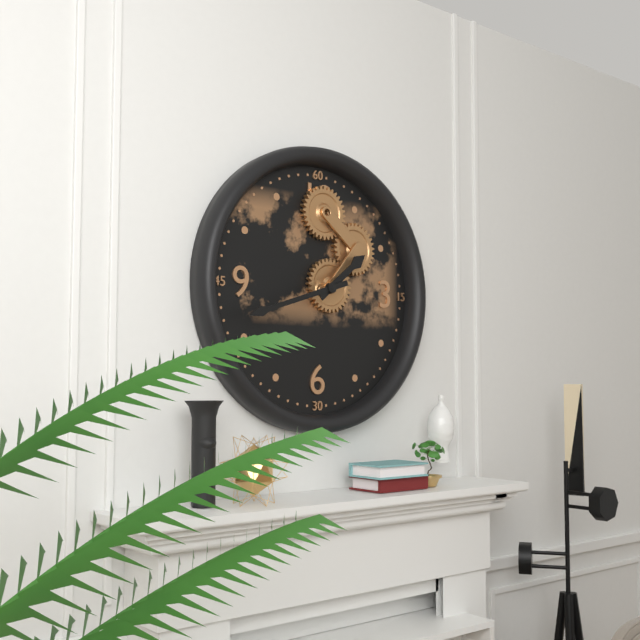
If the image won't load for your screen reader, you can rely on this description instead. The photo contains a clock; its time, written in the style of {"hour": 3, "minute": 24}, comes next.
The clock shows {"hour": 1, "minute": 42}
